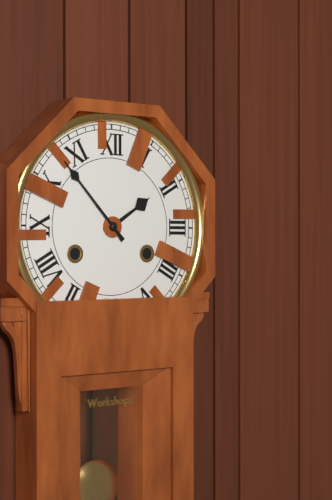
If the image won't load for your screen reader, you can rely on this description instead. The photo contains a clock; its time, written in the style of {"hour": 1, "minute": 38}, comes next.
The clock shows {"hour": 1, "minute": 53}
